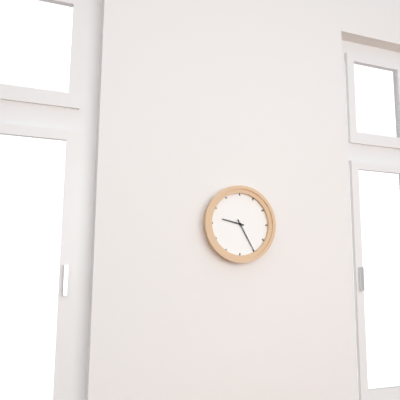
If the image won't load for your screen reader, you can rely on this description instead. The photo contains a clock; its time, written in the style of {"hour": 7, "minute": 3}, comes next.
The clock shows {"hour": 9, "minute": 25}
